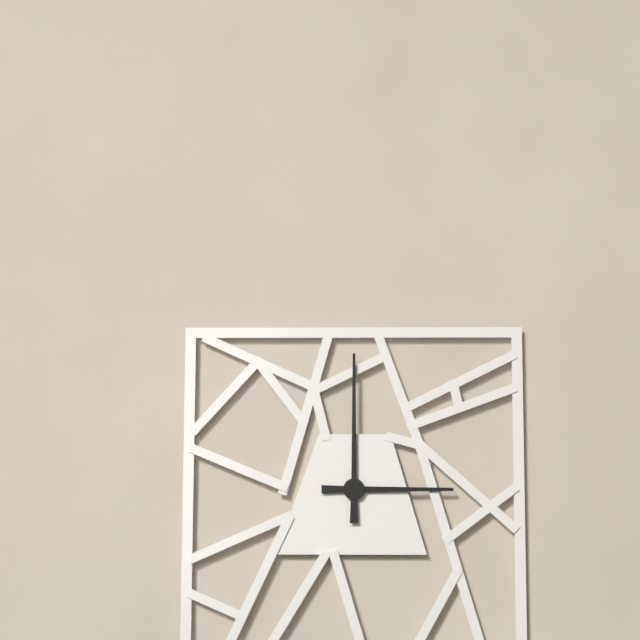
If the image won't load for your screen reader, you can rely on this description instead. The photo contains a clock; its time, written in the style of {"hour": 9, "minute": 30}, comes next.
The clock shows {"hour": 3, "minute": 0}
